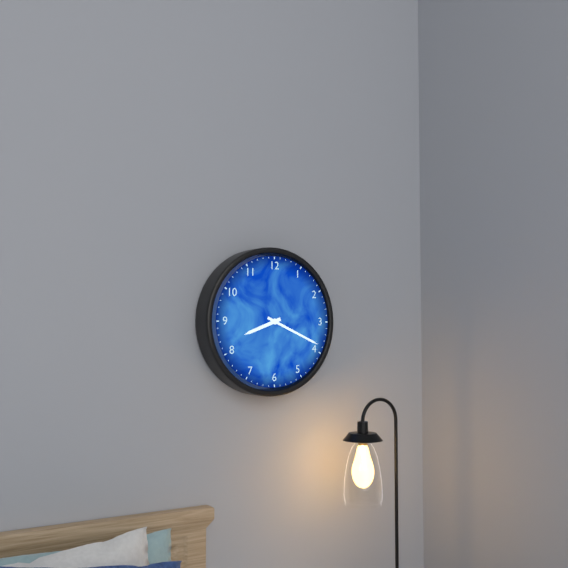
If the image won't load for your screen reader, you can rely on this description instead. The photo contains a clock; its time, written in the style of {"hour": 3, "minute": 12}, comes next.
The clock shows {"hour": 8, "minute": 19}
